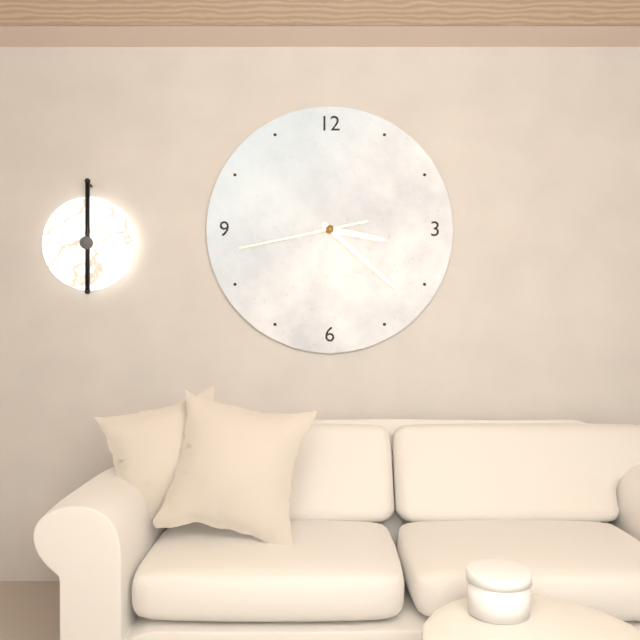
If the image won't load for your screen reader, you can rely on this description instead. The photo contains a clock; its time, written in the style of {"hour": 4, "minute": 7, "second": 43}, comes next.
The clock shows {"hour": 3, "minute": 22, "second": 43}
